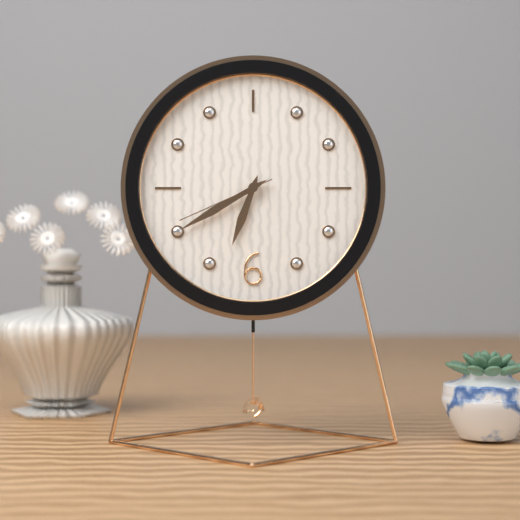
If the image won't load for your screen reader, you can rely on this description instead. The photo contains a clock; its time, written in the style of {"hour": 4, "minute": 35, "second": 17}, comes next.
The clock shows {"hour": 6, "minute": 40, "second": 41}
